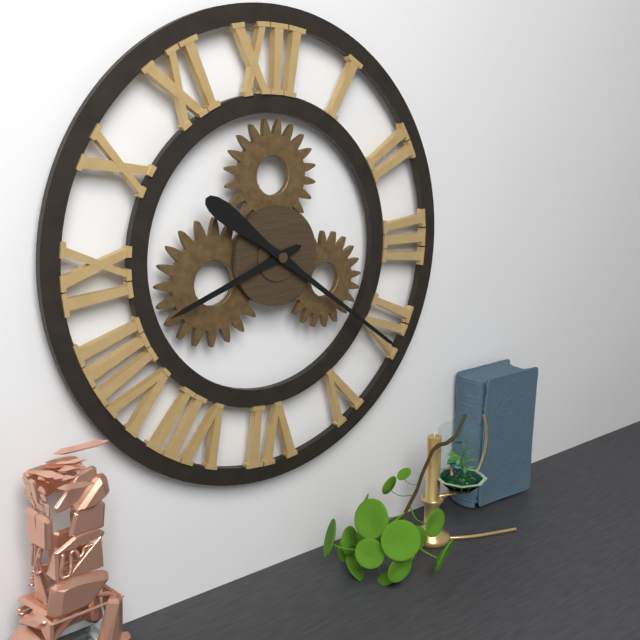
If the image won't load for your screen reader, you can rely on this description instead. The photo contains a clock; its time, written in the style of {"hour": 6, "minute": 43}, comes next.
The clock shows {"hour": 8, "minute": 21}
